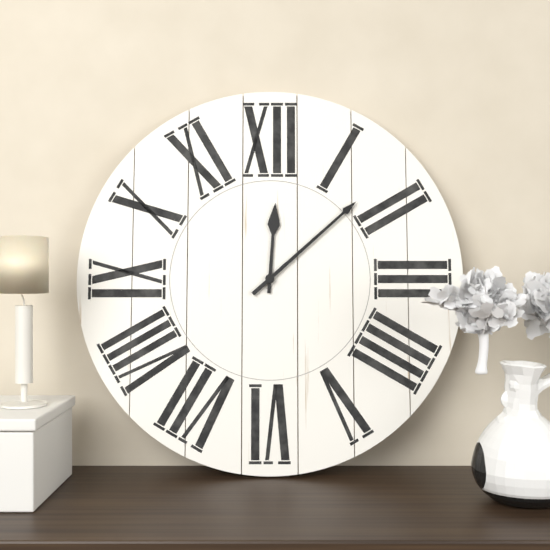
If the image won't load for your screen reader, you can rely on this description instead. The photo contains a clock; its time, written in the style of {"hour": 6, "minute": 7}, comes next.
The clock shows {"hour": 12, "minute": 8}
